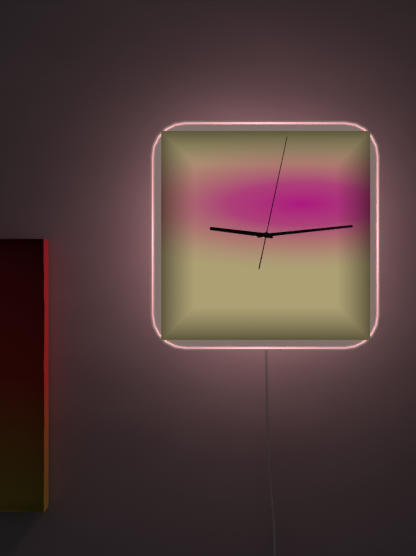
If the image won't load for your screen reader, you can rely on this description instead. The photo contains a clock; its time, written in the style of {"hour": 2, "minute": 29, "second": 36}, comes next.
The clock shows {"hour": 9, "minute": 14, "second": 2}
